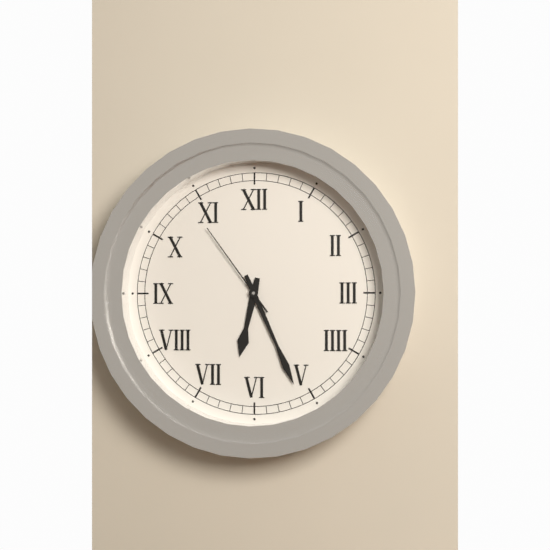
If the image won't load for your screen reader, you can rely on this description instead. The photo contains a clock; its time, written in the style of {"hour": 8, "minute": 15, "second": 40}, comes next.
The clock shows {"hour": 6, "minute": 26, "second": 54}
